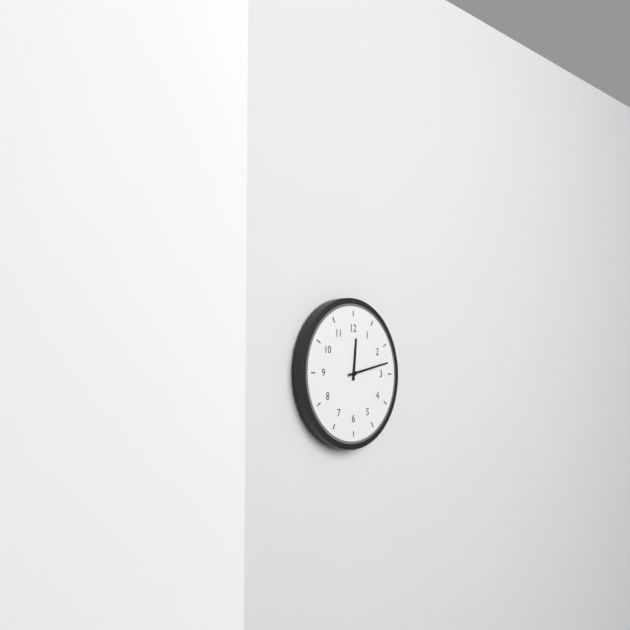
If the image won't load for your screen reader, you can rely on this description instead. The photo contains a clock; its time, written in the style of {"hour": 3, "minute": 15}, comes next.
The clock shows {"hour": 12, "minute": 13}
